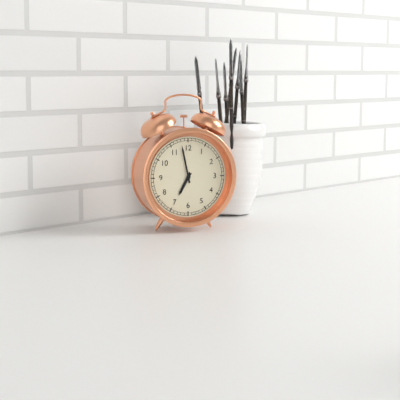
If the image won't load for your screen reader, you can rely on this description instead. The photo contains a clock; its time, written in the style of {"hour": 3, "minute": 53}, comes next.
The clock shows {"hour": 6, "minute": 58}
